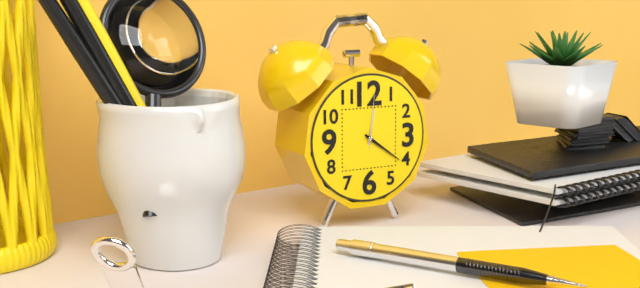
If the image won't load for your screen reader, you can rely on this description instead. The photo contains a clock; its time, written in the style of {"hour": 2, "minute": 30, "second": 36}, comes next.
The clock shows {"hour": 12, "minute": 21, "second": 1}
